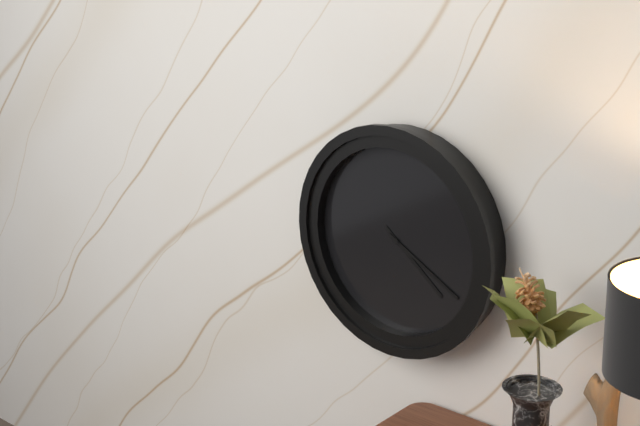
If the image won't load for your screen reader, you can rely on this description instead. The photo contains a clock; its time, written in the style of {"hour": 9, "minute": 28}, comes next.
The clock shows {"hour": 4, "minute": 20}
